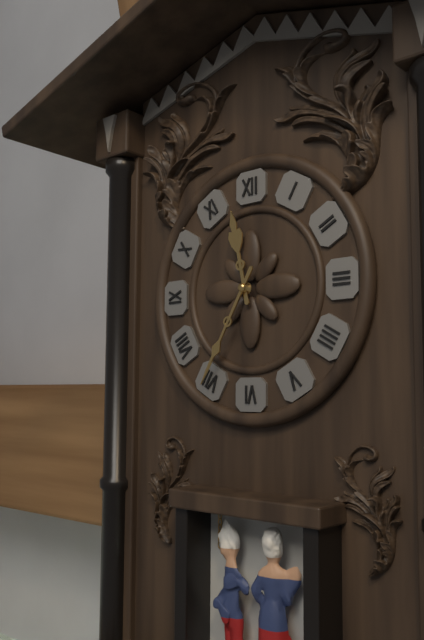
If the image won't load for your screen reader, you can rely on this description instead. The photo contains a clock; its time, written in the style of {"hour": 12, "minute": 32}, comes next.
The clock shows {"hour": 11, "minute": 35}
